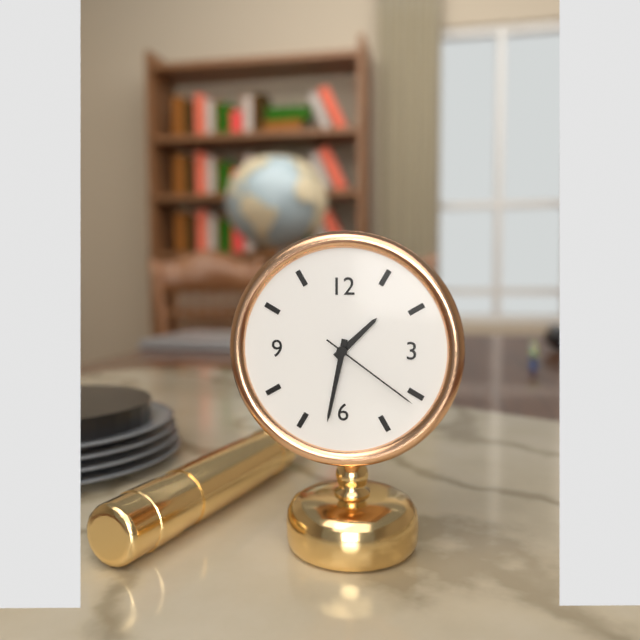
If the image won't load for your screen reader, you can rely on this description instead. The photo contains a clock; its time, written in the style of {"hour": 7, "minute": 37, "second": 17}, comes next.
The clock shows {"hour": 1, "minute": 32, "second": 21}
